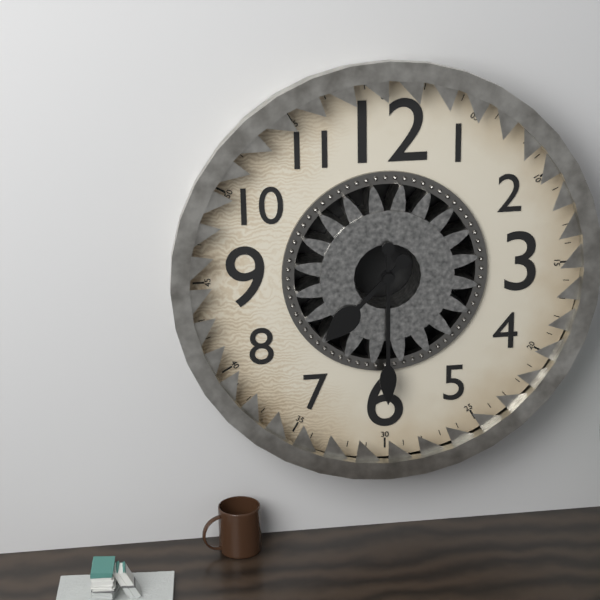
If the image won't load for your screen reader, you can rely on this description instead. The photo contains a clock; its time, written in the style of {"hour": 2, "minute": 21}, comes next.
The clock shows {"hour": 7, "minute": 30}
